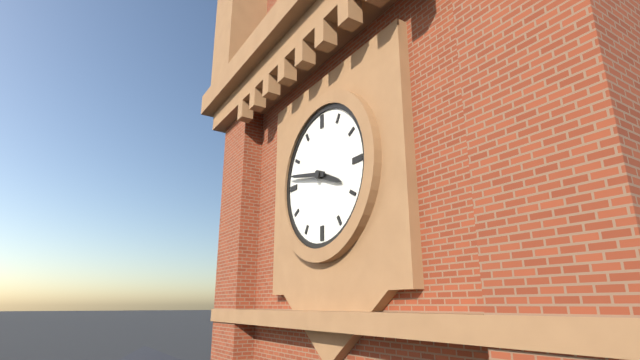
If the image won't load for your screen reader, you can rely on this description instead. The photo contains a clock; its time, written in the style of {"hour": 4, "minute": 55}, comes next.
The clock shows {"hour": 3, "minute": 47}
